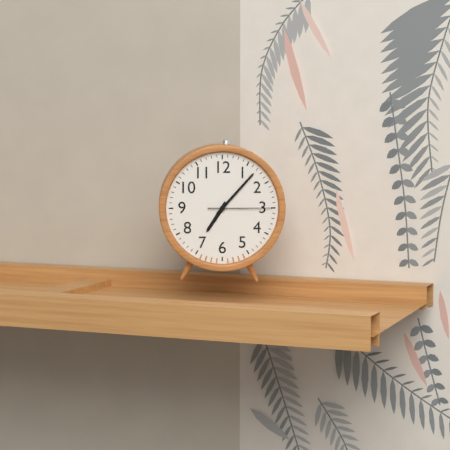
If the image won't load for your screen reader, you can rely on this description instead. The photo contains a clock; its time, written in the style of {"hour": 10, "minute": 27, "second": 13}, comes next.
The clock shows {"hour": 7, "minute": 7, "second": 15}
